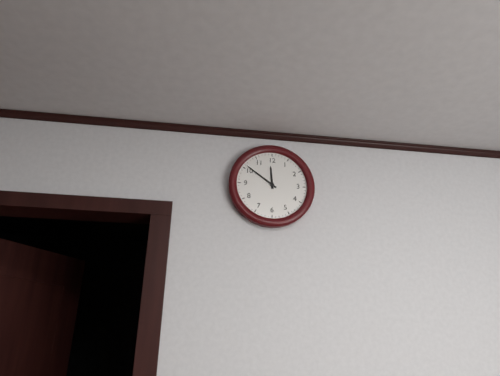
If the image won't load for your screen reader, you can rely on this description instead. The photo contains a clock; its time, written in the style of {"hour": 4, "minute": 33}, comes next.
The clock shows {"hour": 11, "minute": 51}
